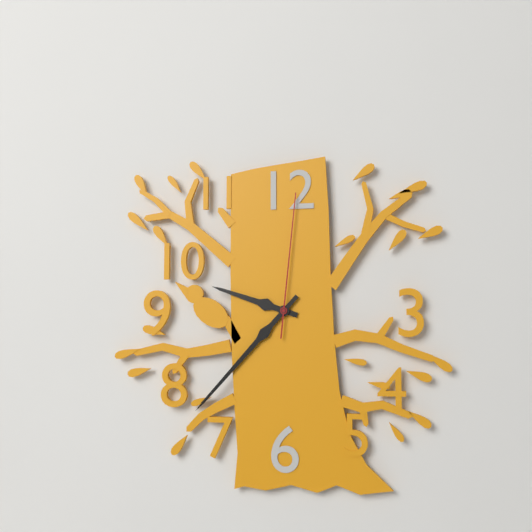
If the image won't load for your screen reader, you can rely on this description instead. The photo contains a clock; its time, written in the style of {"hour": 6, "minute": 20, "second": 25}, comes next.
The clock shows {"hour": 9, "minute": 37, "second": 1}
